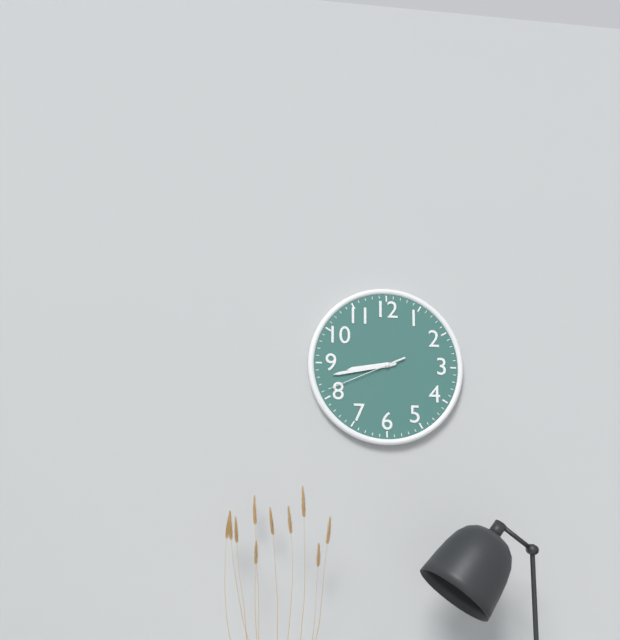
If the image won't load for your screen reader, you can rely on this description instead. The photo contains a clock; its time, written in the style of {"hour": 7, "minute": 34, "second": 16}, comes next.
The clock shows {"hour": 8, "minute": 43, "second": 41}
